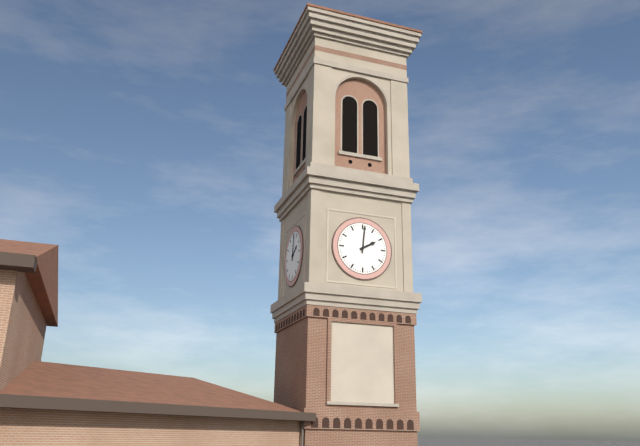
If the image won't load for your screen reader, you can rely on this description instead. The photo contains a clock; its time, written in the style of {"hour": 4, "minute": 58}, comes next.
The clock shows {"hour": 2, "minute": 1}
